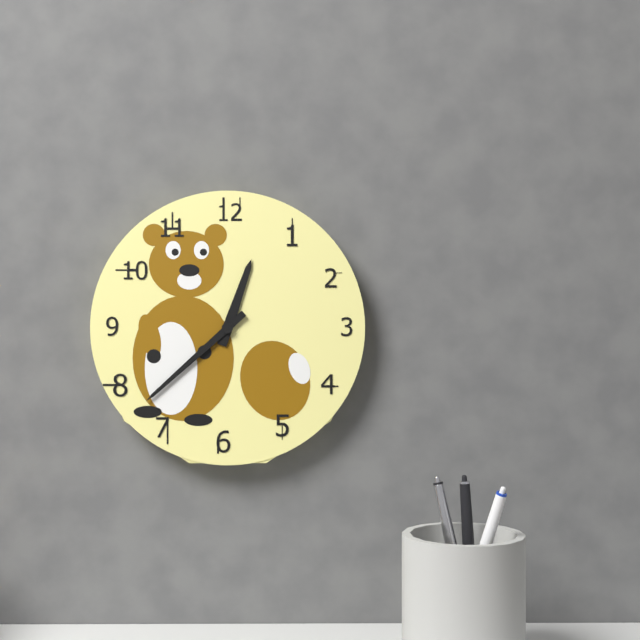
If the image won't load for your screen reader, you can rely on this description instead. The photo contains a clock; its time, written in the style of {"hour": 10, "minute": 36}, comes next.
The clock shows {"hour": 12, "minute": 38}
